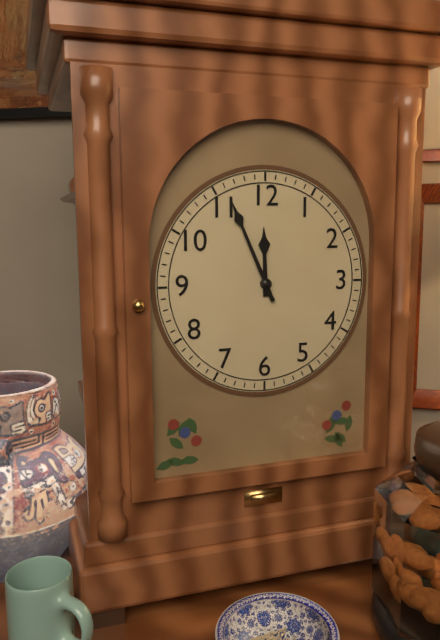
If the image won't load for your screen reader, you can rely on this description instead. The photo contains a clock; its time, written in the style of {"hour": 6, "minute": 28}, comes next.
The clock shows {"hour": 11, "minute": 56}
